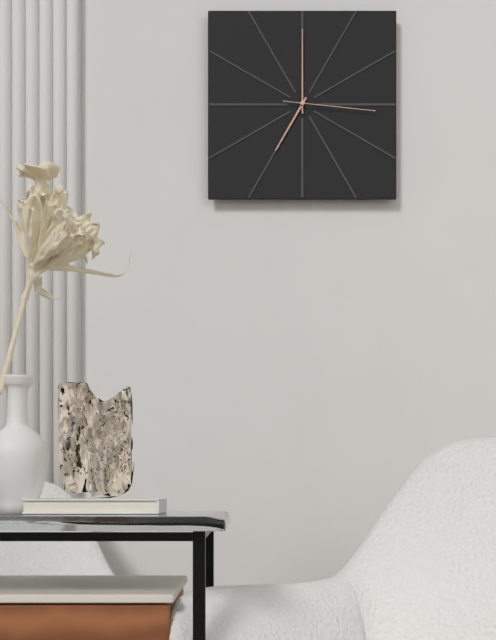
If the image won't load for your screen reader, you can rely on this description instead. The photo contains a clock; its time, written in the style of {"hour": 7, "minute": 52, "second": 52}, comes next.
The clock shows {"hour": 7, "minute": 0, "second": 16}
